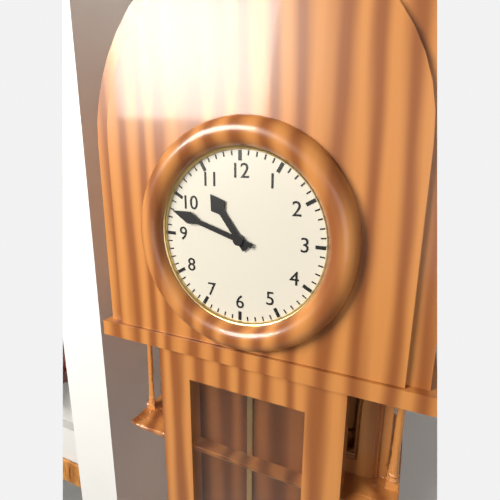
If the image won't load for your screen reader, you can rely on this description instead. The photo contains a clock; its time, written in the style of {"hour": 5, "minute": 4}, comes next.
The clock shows {"hour": 10, "minute": 48}
